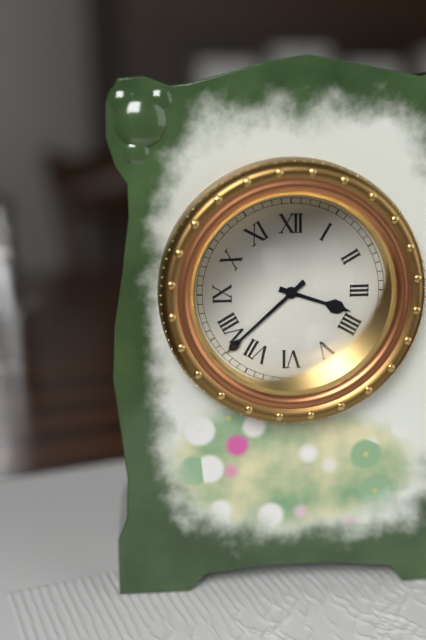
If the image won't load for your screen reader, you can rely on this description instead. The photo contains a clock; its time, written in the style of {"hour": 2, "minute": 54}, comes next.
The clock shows {"hour": 3, "minute": 38}
